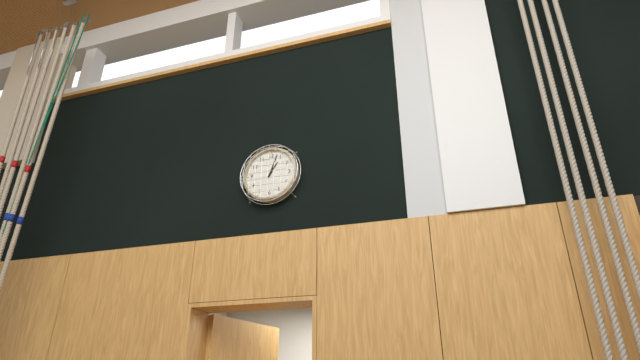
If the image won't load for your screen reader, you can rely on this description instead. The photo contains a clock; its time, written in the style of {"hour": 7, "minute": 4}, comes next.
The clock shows {"hour": 1, "minute": 3}
